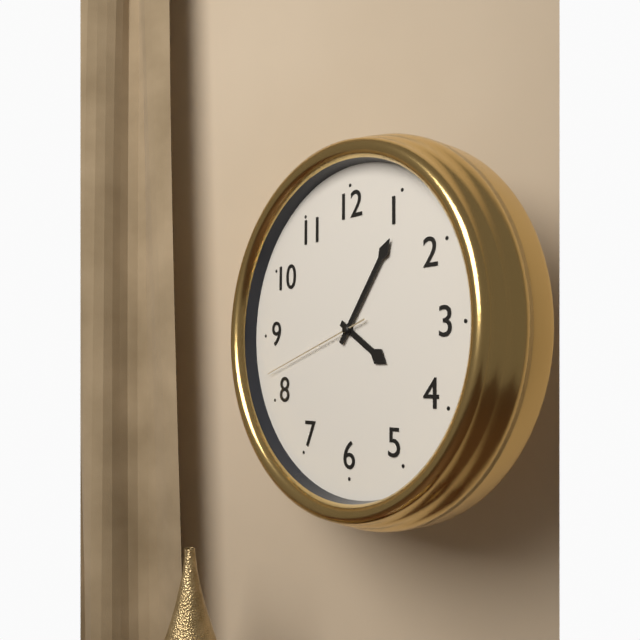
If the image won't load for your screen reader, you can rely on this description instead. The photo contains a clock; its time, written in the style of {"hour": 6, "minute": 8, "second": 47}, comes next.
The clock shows {"hour": 4, "minute": 6, "second": 42}
